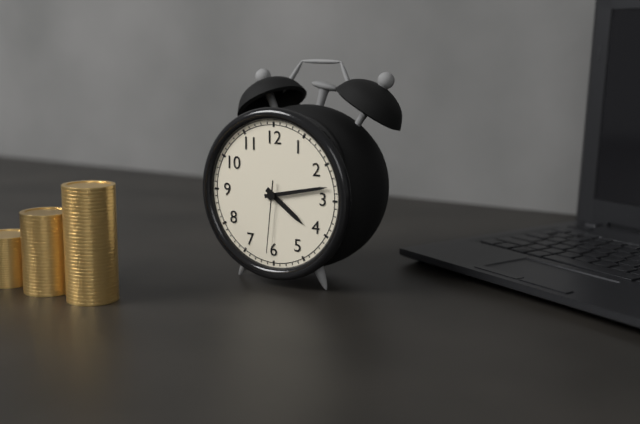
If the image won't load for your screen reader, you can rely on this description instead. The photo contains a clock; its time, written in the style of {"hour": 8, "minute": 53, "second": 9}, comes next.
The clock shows {"hour": 4, "minute": 13, "second": 31}
